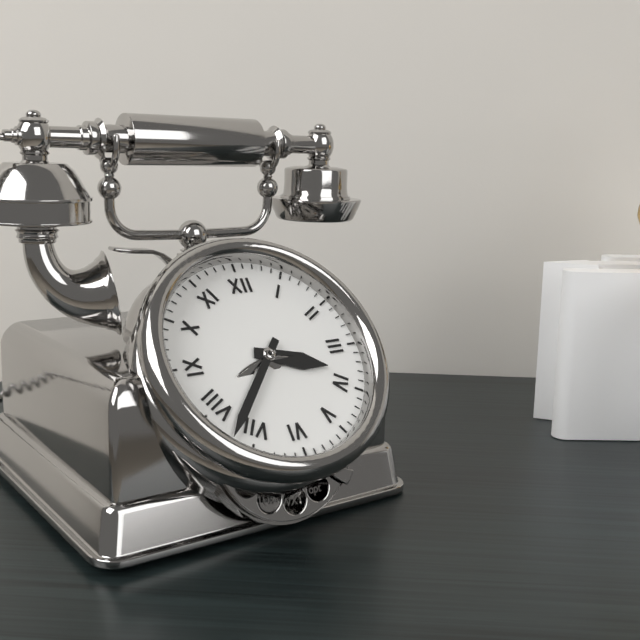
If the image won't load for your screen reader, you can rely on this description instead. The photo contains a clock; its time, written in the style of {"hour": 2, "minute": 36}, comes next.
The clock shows {"hour": 3, "minute": 37}
